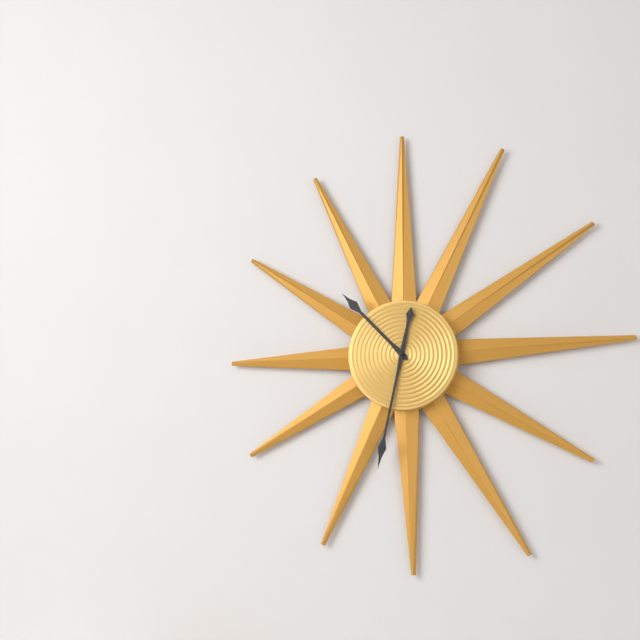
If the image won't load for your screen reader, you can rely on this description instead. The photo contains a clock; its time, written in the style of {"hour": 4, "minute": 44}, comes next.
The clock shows {"hour": 10, "minute": 32}
